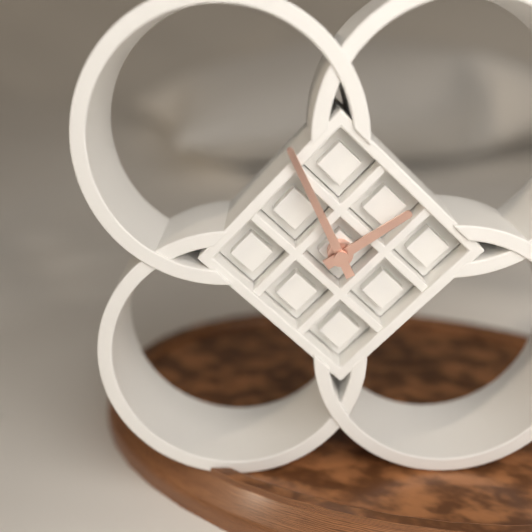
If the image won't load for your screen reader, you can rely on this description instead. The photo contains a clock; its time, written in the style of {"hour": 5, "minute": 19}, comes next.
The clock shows {"hour": 1, "minute": 56}
